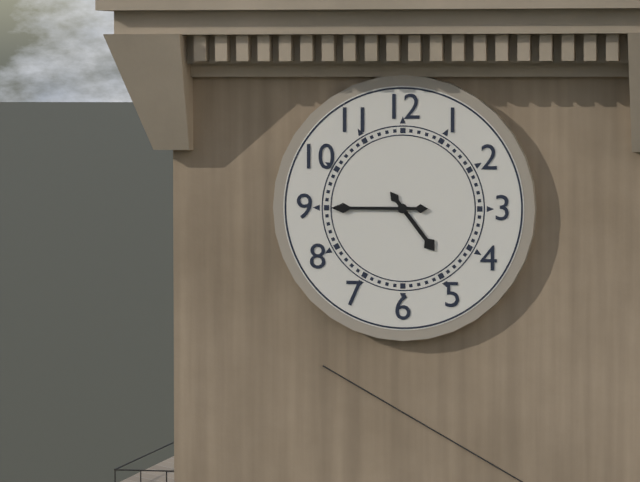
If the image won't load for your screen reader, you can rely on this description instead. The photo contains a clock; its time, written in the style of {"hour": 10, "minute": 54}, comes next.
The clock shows {"hour": 4, "minute": 45}
